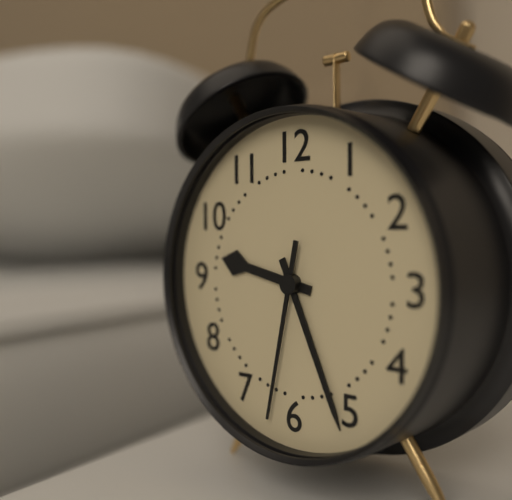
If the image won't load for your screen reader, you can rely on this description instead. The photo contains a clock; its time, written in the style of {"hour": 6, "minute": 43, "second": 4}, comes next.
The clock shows {"hour": 9, "minute": 26, "second": 32}
